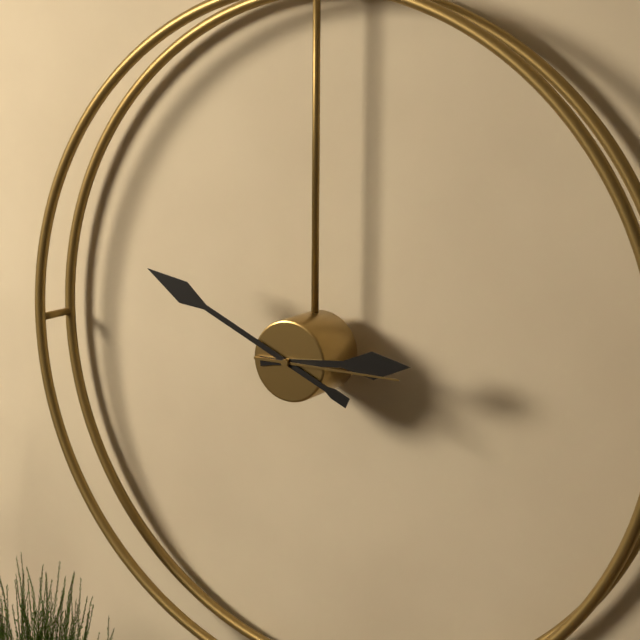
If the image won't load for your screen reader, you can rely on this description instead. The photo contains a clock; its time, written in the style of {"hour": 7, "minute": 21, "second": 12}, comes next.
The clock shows {"hour": 2, "minute": 49, "second": 15}
